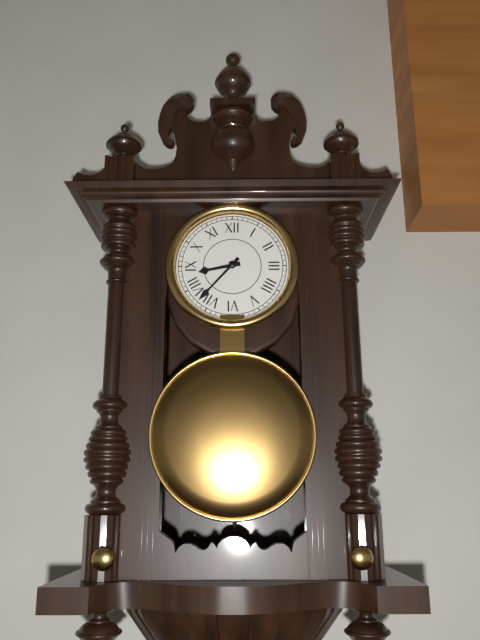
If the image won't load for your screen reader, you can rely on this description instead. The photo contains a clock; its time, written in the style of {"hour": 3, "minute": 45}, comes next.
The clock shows {"hour": 8, "minute": 37}
